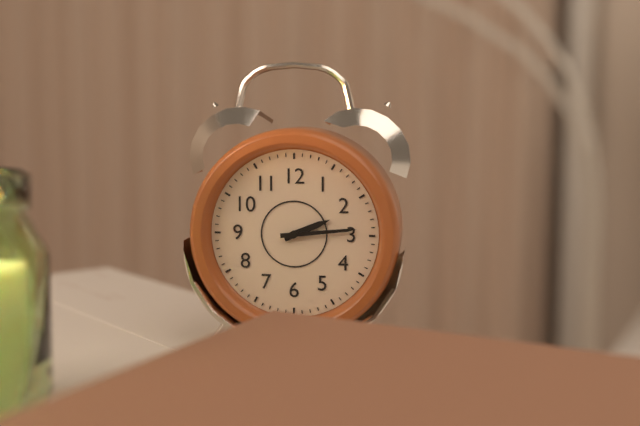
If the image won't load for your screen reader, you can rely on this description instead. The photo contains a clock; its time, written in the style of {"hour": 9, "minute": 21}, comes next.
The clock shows {"hour": 2, "minute": 14}
